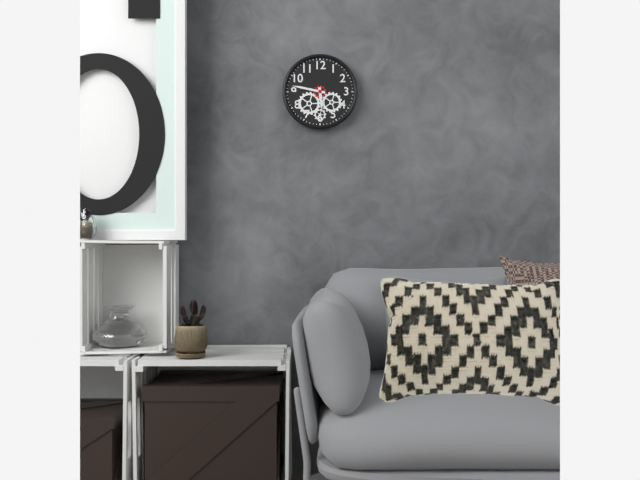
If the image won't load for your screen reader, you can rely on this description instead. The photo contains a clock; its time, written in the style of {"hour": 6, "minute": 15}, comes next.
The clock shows {"hour": 5, "minute": 47}
